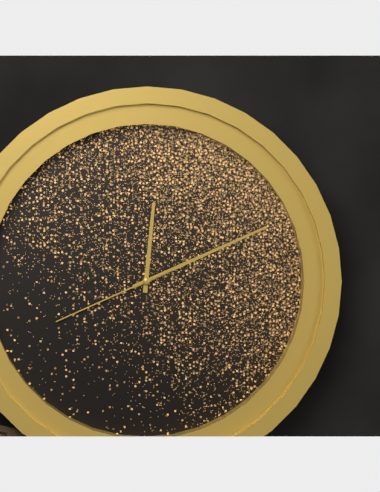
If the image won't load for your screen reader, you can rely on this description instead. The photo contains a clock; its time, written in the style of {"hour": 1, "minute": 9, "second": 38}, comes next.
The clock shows {"hour": 12, "minute": 11, "second": 41}
